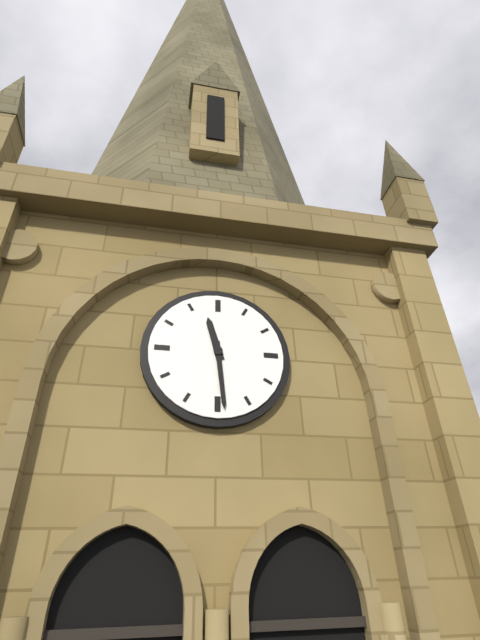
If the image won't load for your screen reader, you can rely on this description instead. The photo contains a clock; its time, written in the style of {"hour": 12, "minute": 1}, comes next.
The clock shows {"hour": 11, "minute": 29}
